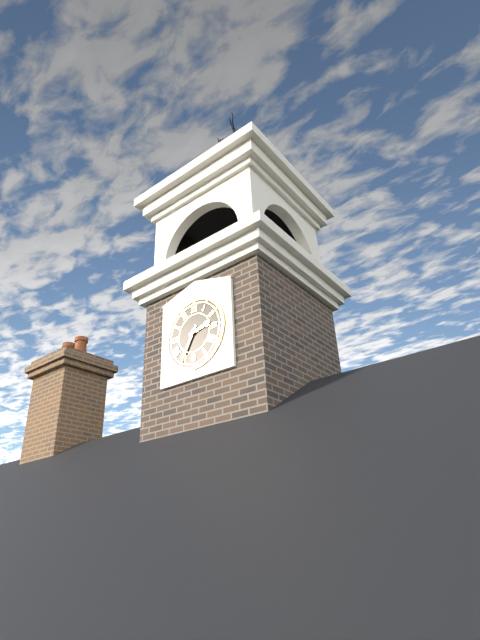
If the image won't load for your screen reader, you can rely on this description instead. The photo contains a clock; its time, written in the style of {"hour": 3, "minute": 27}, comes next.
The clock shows {"hour": 2, "minute": 35}
